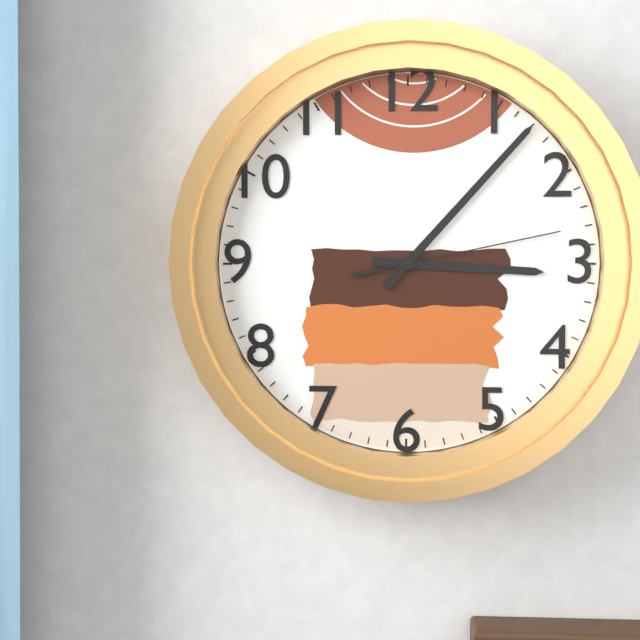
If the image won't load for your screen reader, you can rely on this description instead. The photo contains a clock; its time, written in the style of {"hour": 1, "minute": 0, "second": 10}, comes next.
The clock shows {"hour": 3, "minute": 7, "second": 13}
